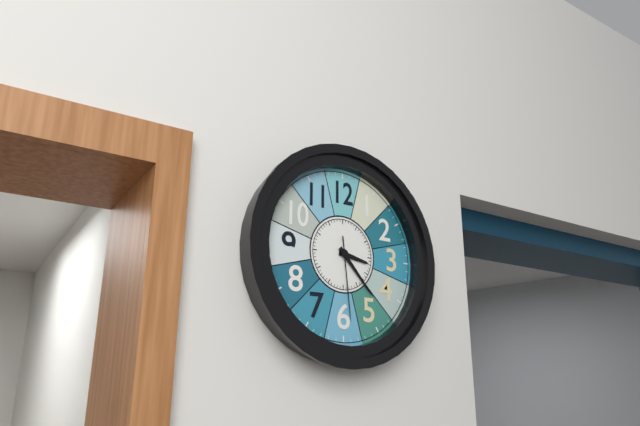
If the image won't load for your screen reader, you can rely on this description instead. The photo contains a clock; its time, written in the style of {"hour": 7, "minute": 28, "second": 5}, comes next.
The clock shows {"hour": 3, "minute": 23, "second": 29}
